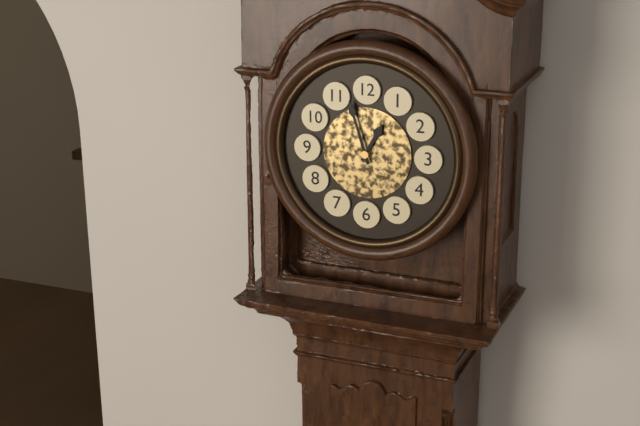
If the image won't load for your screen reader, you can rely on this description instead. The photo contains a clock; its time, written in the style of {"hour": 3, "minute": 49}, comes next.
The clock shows {"hour": 12, "minute": 57}
